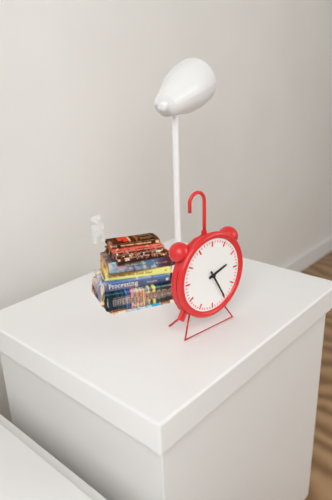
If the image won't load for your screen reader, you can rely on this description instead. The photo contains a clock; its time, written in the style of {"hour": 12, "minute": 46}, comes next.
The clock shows {"hour": 2, "minute": 25}
